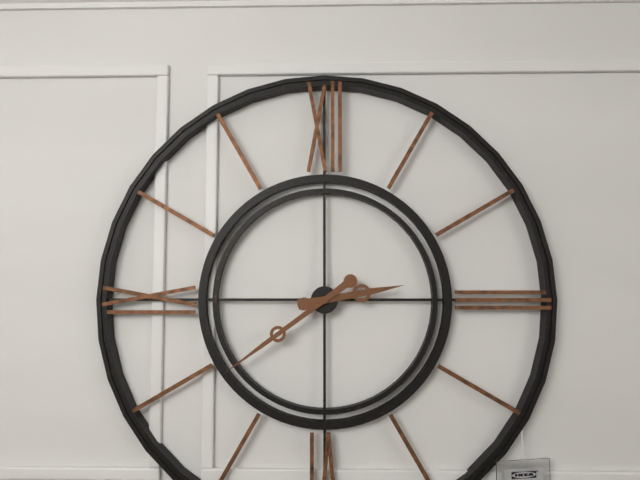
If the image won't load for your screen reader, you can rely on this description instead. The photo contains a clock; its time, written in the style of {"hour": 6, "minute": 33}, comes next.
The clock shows {"hour": 2, "minute": 39}
